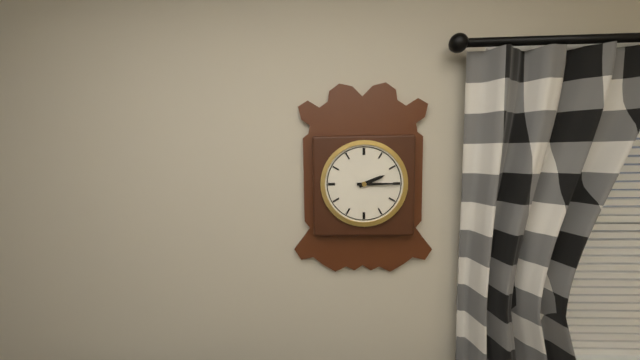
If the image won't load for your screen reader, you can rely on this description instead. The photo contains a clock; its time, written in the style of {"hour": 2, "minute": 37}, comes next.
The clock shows {"hour": 2, "minute": 15}
